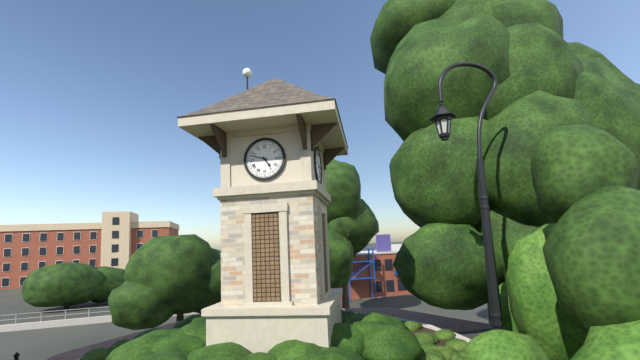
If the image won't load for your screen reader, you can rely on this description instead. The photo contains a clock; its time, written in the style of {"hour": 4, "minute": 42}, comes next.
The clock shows {"hour": 4, "minute": 48}
